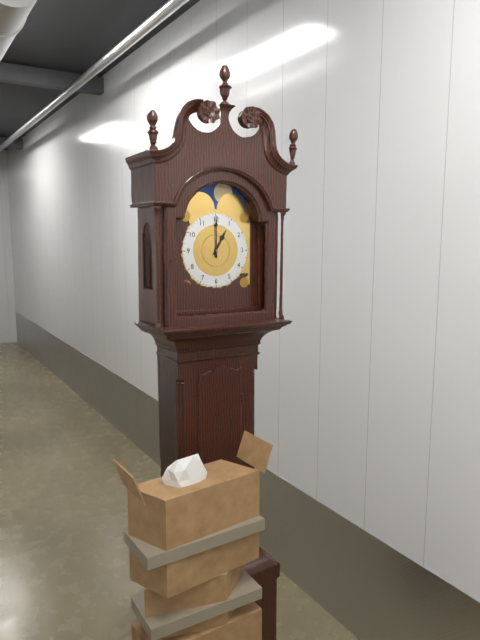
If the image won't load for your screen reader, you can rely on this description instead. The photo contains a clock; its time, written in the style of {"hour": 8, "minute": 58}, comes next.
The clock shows {"hour": 1, "minute": 0}
